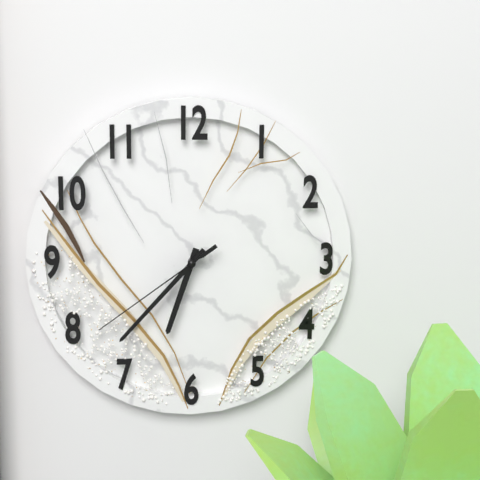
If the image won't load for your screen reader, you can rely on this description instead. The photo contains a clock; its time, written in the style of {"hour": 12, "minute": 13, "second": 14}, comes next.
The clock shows {"hour": 6, "minute": 37, "second": 39}
